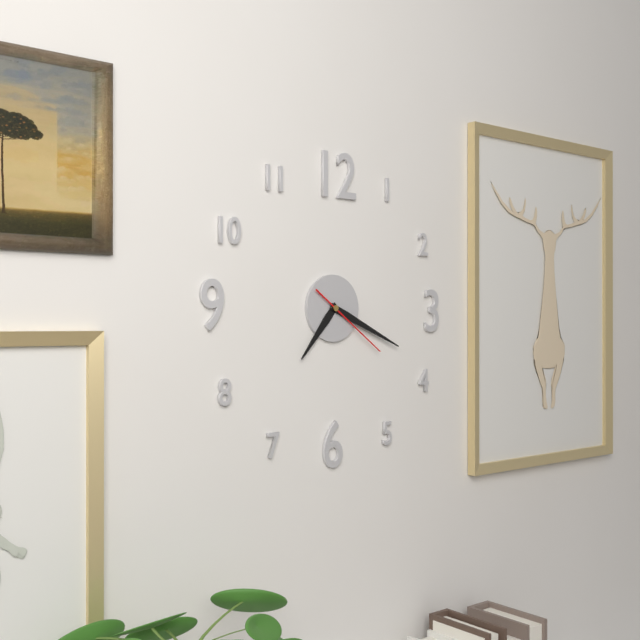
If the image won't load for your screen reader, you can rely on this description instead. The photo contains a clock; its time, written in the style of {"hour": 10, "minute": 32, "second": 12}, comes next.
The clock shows {"hour": 7, "minute": 19, "second": 21}
